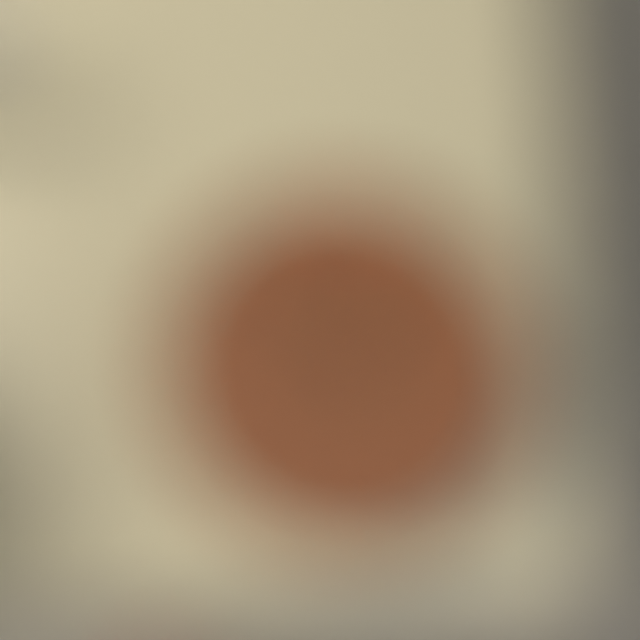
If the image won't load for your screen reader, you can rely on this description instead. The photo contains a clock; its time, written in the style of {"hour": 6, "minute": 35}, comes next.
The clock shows {"hour": 12, "minute": 52}
